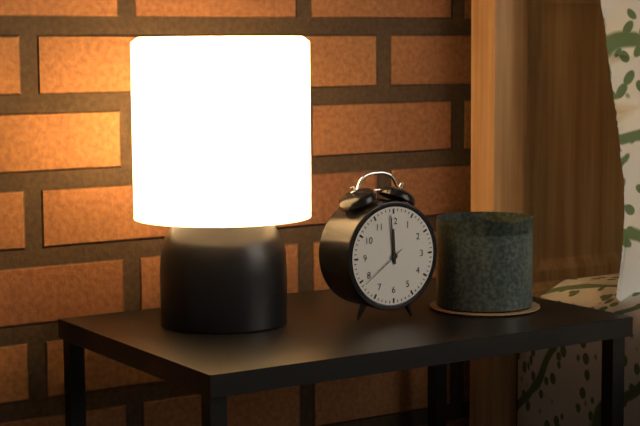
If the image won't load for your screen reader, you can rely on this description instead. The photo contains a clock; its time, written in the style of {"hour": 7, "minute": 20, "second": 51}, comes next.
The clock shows {"hour": 11, "minute": 59, "second": 39}
